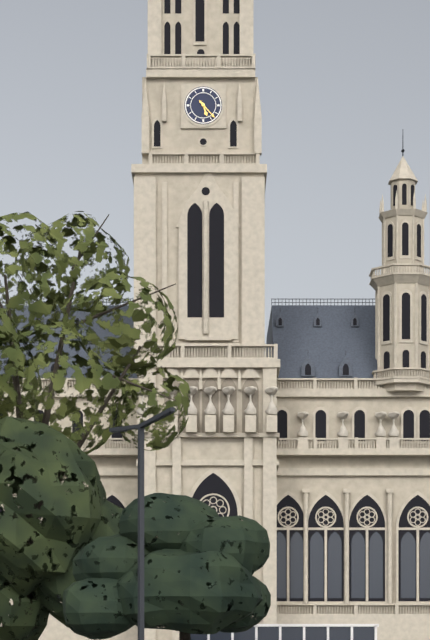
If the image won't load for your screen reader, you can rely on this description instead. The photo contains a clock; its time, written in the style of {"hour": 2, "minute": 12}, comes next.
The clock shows {"hour": 5, "minute": 23}
